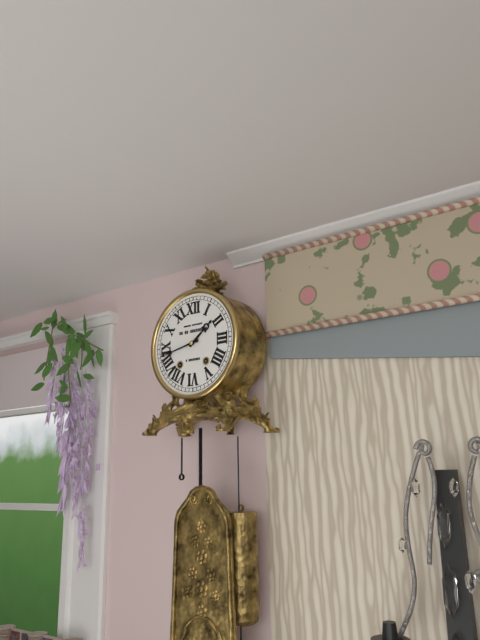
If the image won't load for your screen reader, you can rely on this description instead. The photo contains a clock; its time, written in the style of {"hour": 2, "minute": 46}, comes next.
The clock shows {"hour": 1, "minute": 43}
